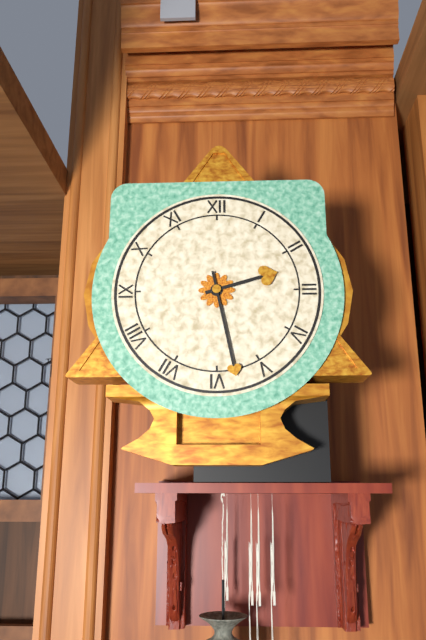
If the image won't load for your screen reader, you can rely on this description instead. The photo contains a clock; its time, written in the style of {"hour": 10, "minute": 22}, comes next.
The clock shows {"hour": 2, "minute": 28}
